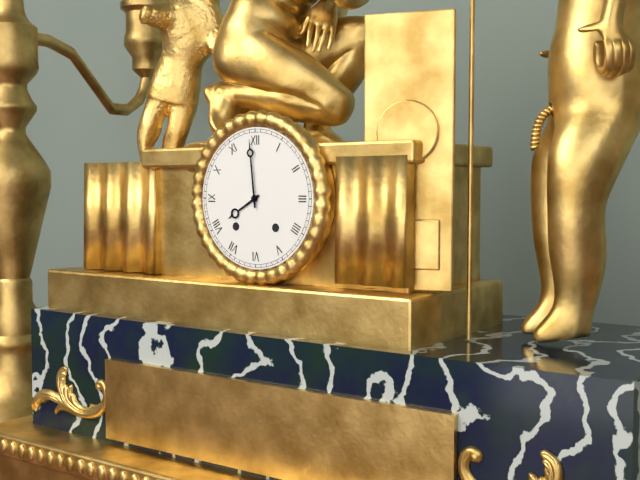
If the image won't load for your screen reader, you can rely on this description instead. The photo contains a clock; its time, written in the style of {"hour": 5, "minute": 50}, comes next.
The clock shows {"hour": 7, "minute": 59}
